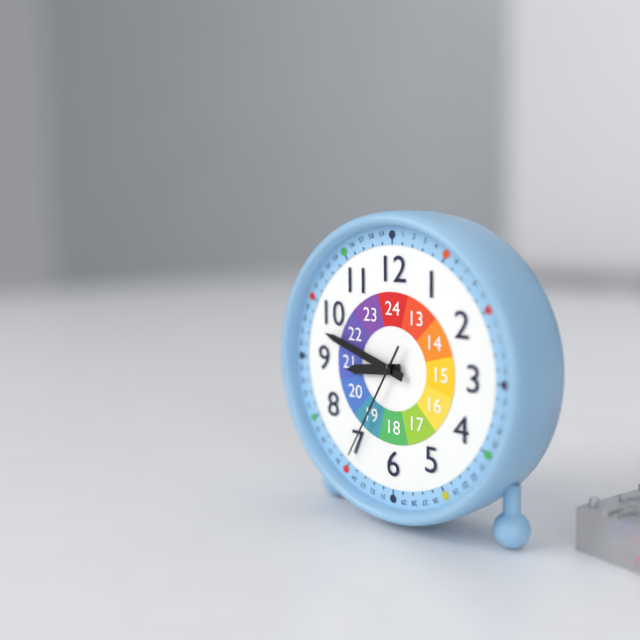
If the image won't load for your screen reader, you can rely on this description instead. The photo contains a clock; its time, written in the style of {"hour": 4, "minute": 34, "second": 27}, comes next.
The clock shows {"hour": 8, "minute": 48, "second": 35}
